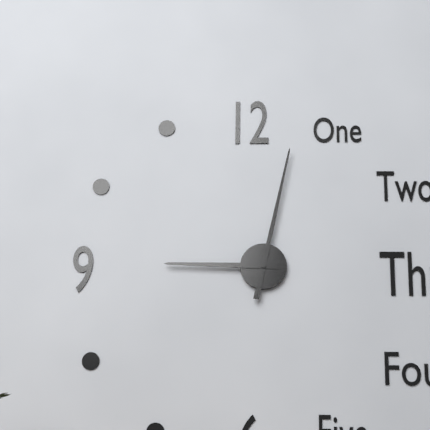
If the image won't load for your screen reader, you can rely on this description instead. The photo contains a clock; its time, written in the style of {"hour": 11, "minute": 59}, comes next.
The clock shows {"hour": 9, "minute": 2}
